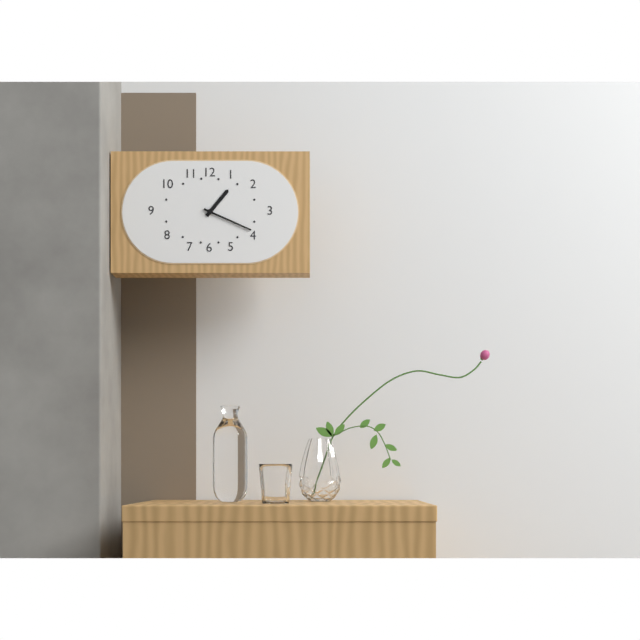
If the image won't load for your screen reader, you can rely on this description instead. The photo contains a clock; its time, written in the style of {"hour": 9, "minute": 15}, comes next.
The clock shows {"hour": 1, "minute": 19}
